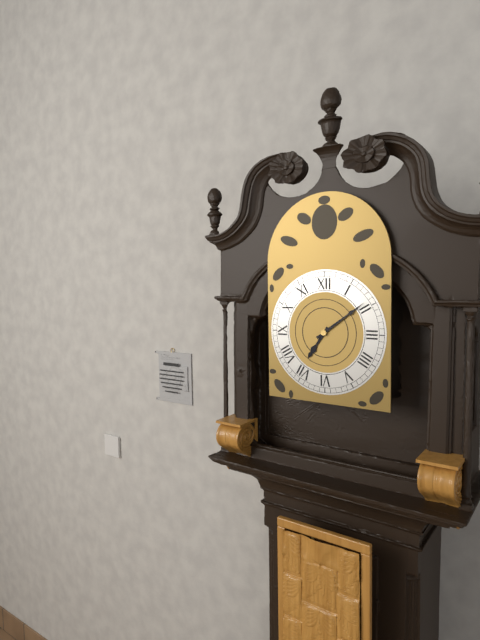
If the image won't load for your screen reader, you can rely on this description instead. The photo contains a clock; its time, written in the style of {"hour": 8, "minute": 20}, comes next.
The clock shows {"hour": 7, "minute": 9}
